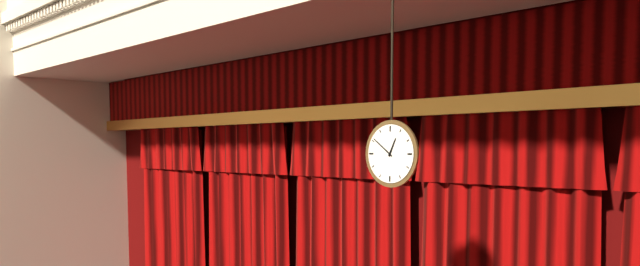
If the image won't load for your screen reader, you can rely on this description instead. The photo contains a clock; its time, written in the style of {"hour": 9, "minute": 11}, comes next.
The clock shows {"hour": 12, "minute": 51}
